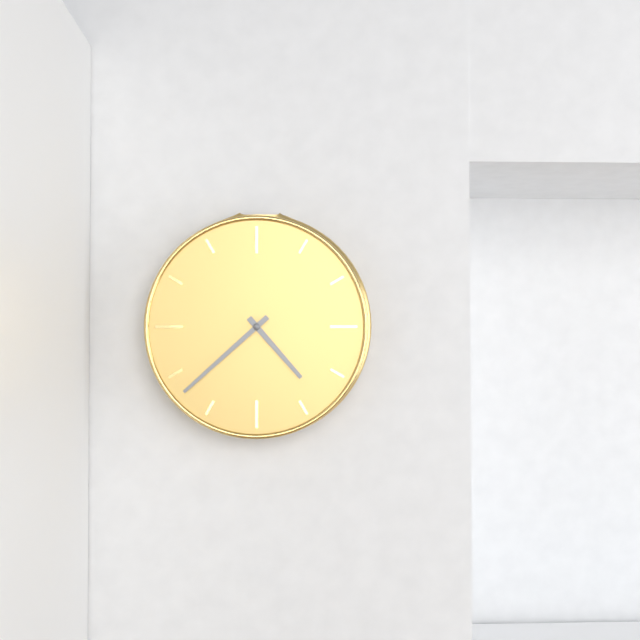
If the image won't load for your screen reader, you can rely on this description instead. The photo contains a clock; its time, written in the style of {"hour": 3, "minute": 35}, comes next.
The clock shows {"hour": 4, "minute": 38}
